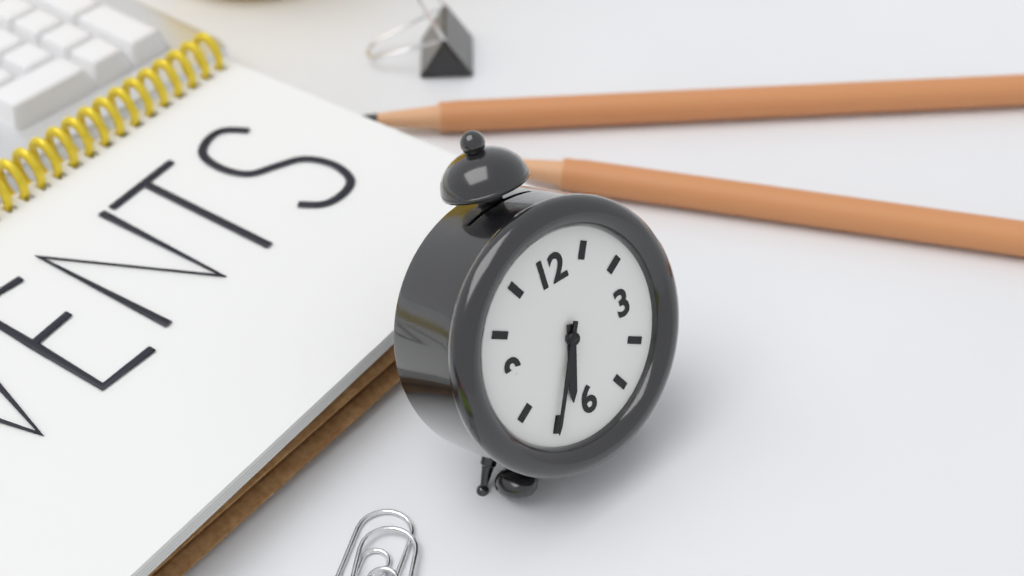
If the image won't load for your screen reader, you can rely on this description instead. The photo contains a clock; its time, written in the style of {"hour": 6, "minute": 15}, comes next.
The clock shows {"hour": 6, "minute": 35}
